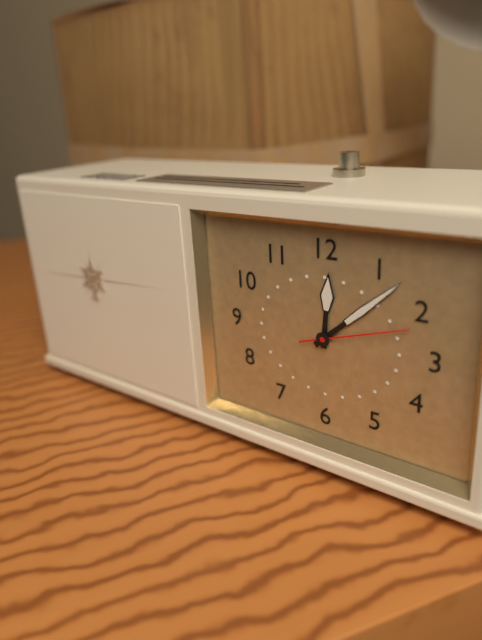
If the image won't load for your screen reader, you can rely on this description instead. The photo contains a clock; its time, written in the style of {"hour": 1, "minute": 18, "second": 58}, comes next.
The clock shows {"hour": 12, "minute": 8, "second": 12}
